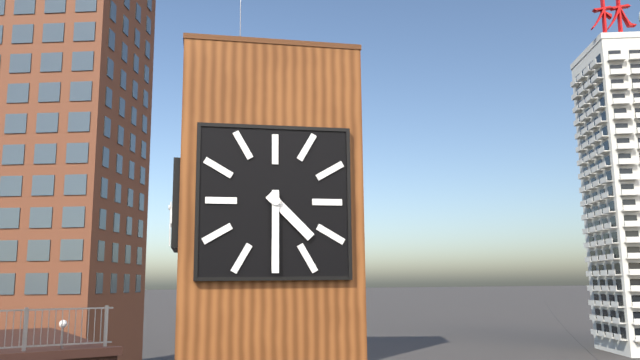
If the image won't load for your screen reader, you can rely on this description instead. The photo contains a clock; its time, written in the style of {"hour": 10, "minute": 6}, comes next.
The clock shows {"hour": 4, "minute": 30}
